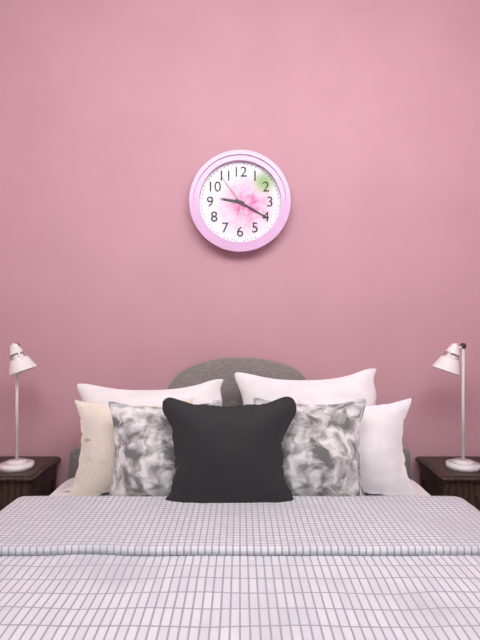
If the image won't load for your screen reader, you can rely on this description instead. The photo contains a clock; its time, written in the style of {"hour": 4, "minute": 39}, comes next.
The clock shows {"hour": 9, "minute": 20}
